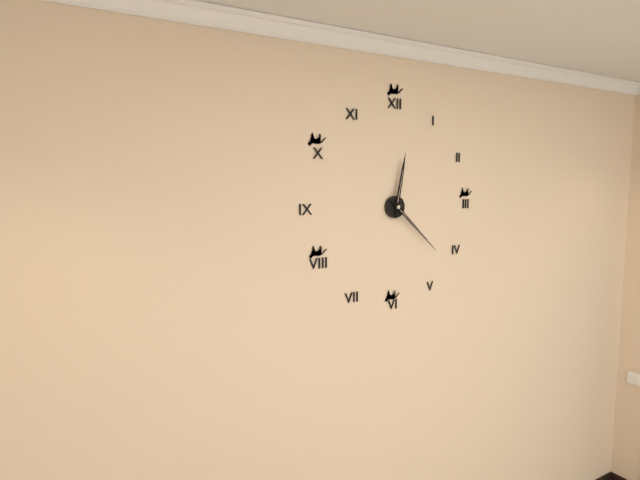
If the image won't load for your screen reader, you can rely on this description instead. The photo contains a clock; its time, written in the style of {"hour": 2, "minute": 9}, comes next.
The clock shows {"hour": 12, "minute": 22}
